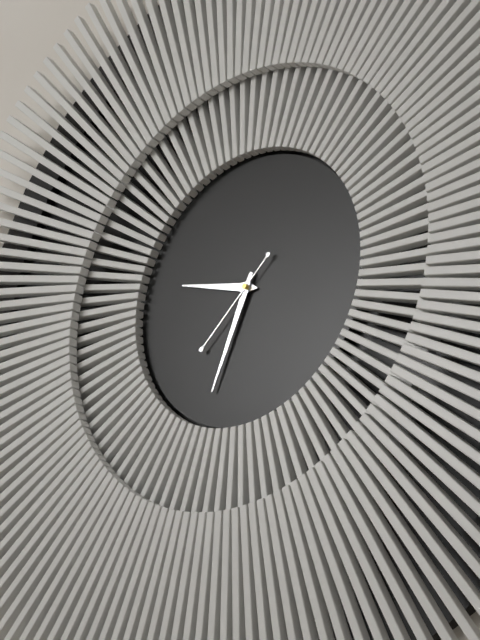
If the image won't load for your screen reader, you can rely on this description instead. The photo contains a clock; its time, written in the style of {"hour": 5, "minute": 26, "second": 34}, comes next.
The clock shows {"hour": 9, "minute": 34, "second": 38}
